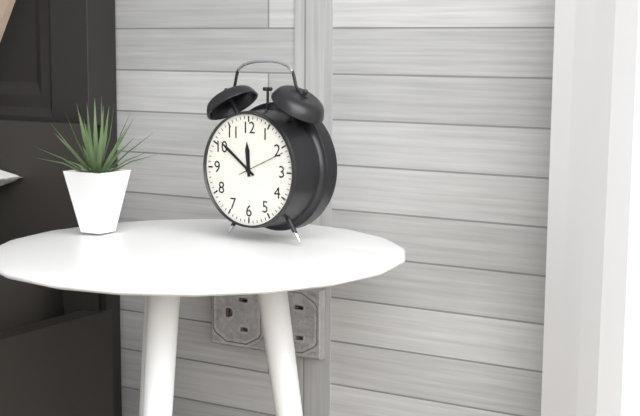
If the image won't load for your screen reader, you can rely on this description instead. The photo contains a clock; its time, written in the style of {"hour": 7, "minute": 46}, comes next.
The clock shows {"hour": 11, "minute": 51}
